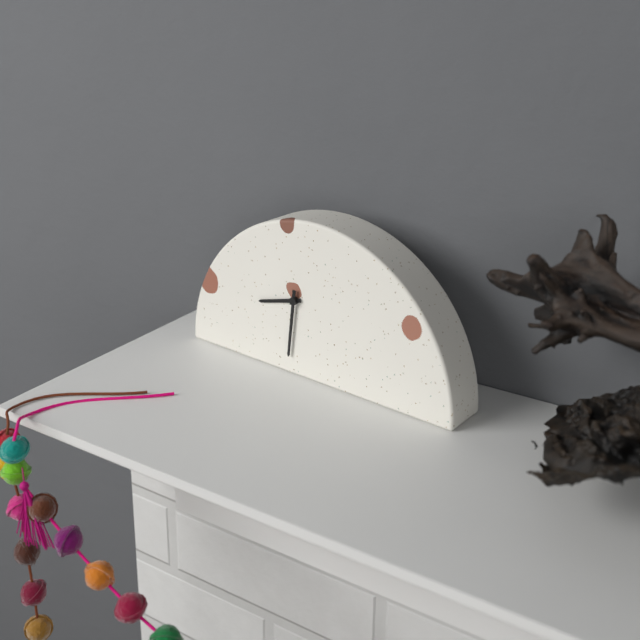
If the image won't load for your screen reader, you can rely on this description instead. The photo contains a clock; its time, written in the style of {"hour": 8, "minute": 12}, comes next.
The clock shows {"hour": 8, "minute": 31}
